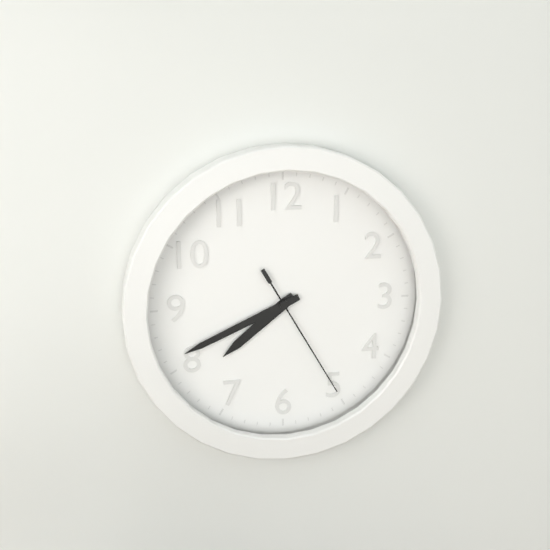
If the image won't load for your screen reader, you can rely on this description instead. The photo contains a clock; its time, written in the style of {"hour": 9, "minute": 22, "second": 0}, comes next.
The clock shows {"hour": 7, "minute": 41, "second": 25}
